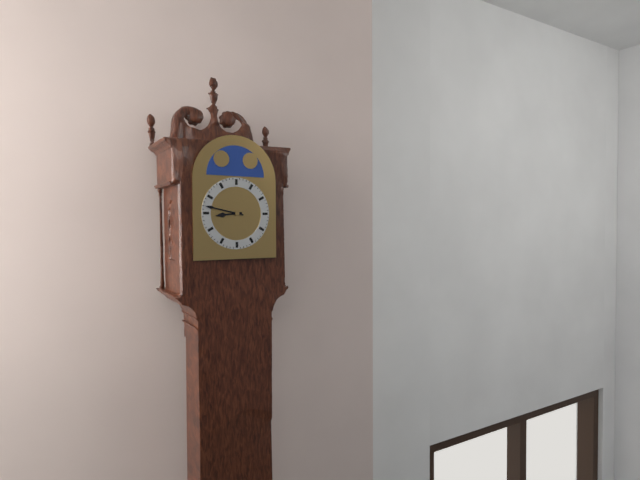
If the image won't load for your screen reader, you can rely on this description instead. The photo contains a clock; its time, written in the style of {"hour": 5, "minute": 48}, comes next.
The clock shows {"hour": 8, "minute": 47}
